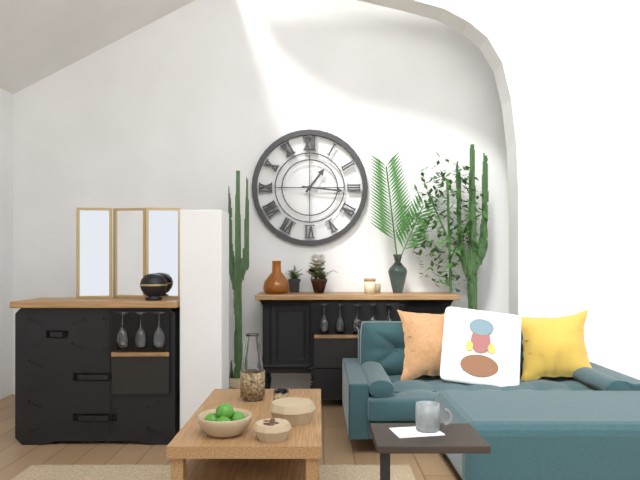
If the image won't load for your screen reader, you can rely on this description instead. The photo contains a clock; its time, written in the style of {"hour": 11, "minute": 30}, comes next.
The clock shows {"hour": 1, "minute": 16}
